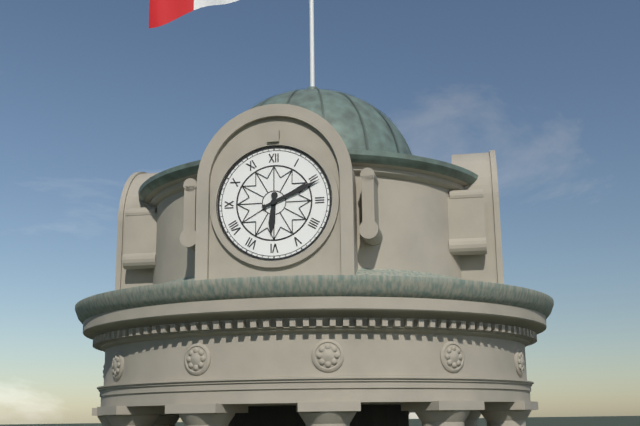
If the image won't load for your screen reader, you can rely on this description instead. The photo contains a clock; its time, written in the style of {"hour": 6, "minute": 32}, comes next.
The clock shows {"hour": 6, "minute": 11}
